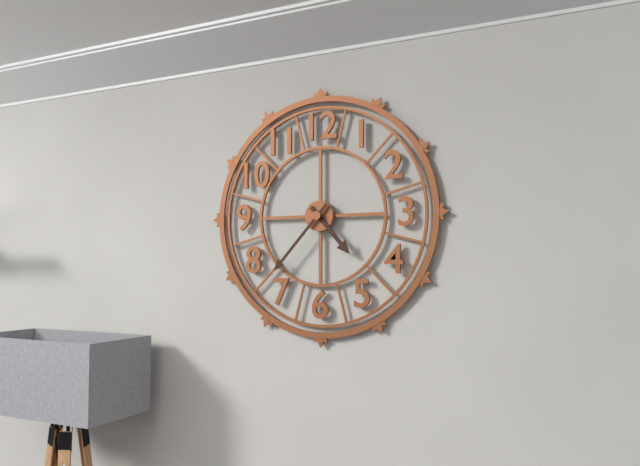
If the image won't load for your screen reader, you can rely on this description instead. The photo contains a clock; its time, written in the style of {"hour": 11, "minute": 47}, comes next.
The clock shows {"hour": 4, "minute": 37}
